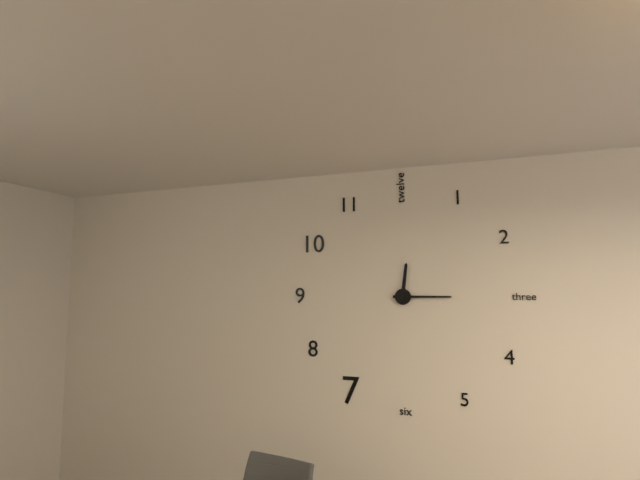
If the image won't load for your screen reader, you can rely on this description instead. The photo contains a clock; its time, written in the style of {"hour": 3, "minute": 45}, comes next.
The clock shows {"hour": 12, "minute": 15}
